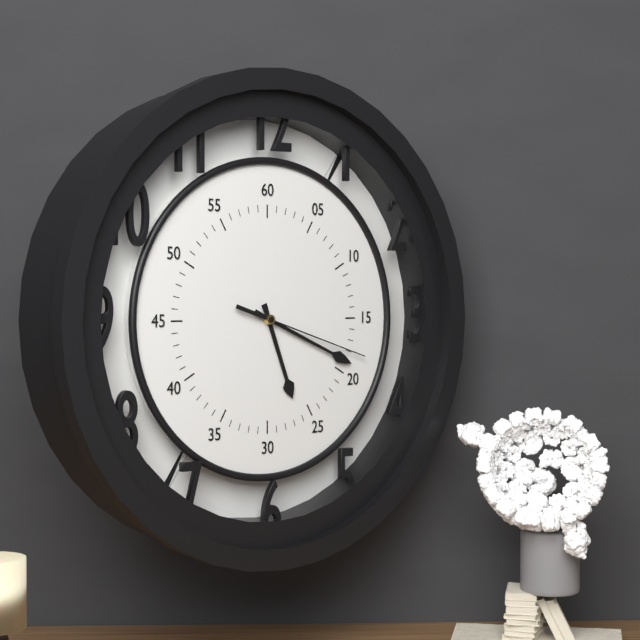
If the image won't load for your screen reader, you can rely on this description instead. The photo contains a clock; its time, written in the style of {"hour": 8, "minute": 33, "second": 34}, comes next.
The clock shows {"hour": 5, "minute": 19, "second": 18}
